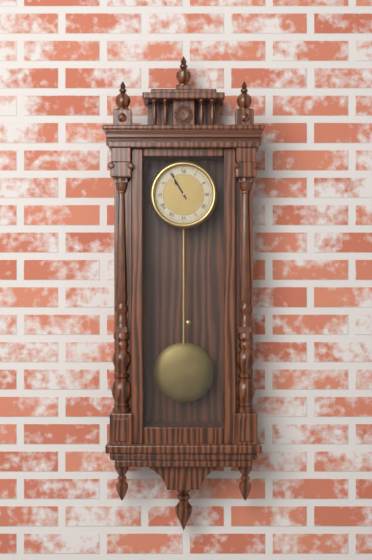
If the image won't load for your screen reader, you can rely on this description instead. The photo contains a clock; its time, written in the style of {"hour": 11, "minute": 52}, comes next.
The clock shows {"hour": 10, "minute": 55}
